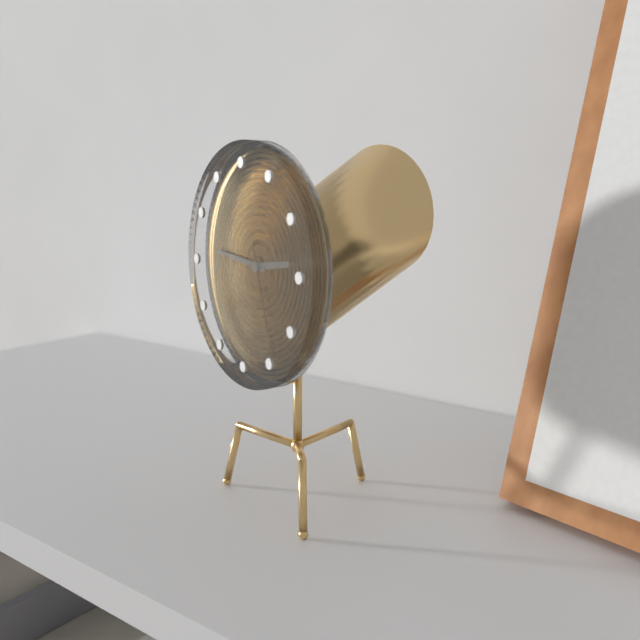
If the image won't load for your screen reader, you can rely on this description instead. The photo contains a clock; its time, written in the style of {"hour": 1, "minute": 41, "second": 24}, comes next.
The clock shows {"hour": 2, "minute": 46, "second": 27}
